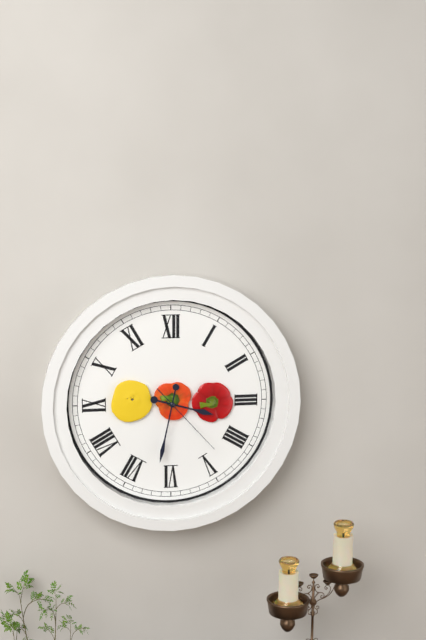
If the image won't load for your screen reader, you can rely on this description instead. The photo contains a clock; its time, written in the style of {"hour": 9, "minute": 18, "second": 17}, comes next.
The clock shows {"hour": 3, "minute": 32, "second": 23}
